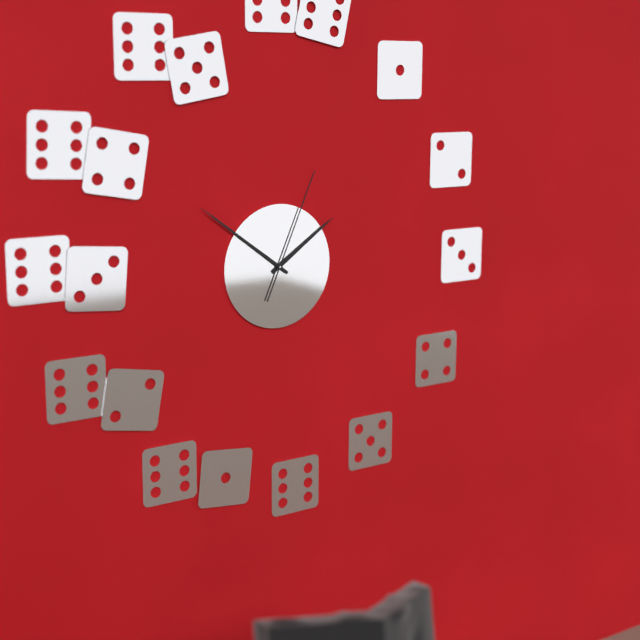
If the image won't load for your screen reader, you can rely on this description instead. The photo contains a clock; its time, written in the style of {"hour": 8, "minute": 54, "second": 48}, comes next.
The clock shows {"hour": 1, "minute": 51, "second": 4}
